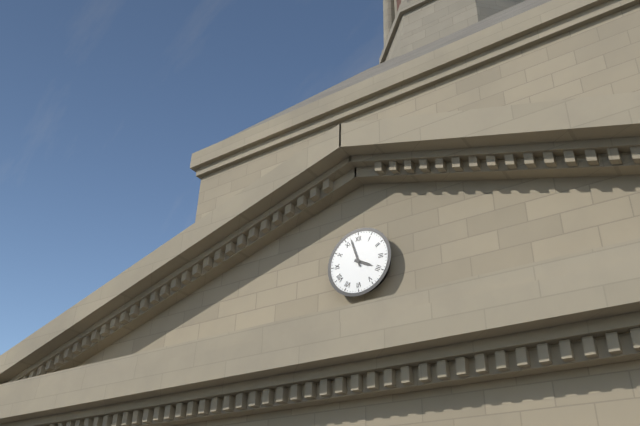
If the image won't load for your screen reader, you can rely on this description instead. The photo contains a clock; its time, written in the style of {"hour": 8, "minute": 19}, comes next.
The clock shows {"hour": 3, "minute": 57}
